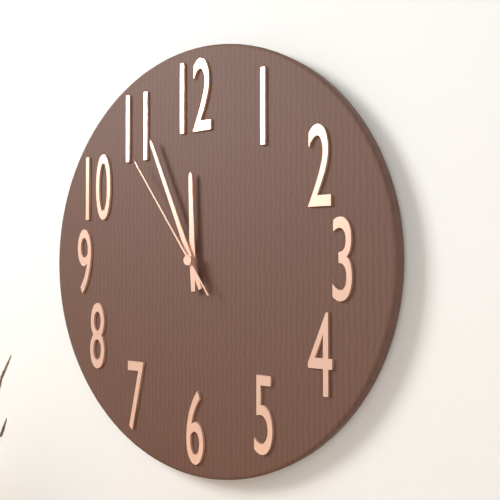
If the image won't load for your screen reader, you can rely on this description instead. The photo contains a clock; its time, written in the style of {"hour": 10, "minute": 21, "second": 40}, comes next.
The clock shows {"hour": 11, "minute": 56, "second": 54}
